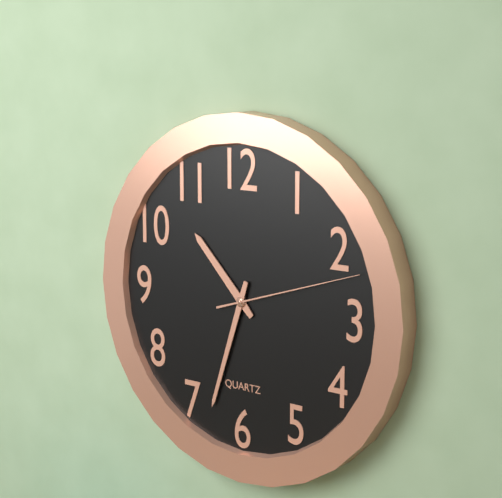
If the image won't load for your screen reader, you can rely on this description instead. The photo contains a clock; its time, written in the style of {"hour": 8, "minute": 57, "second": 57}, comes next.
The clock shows {"hour": 10, "minute": 33, "second": 12}
